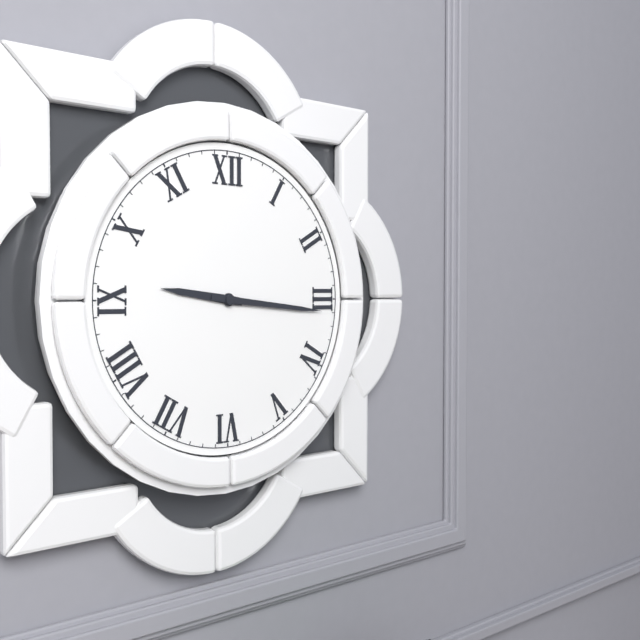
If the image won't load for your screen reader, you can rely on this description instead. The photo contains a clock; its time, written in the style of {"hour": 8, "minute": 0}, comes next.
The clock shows {"hour": 9, "minute": 16}
